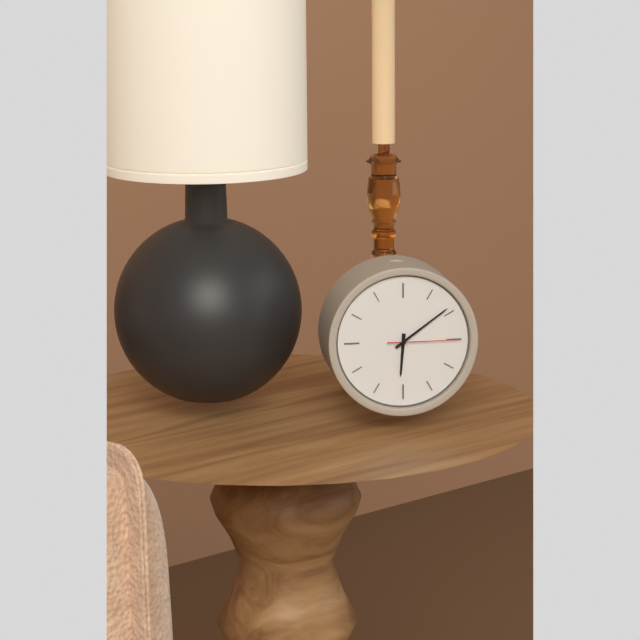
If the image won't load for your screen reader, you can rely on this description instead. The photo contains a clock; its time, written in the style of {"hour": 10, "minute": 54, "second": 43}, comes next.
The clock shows {"hour": 6, "minute": 9, "second": 15}
